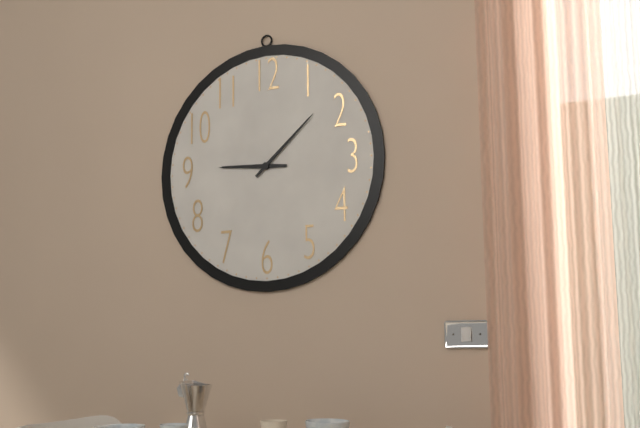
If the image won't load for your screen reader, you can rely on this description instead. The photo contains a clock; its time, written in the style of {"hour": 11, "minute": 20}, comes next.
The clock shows {"hour": 9, "minute": 8}
